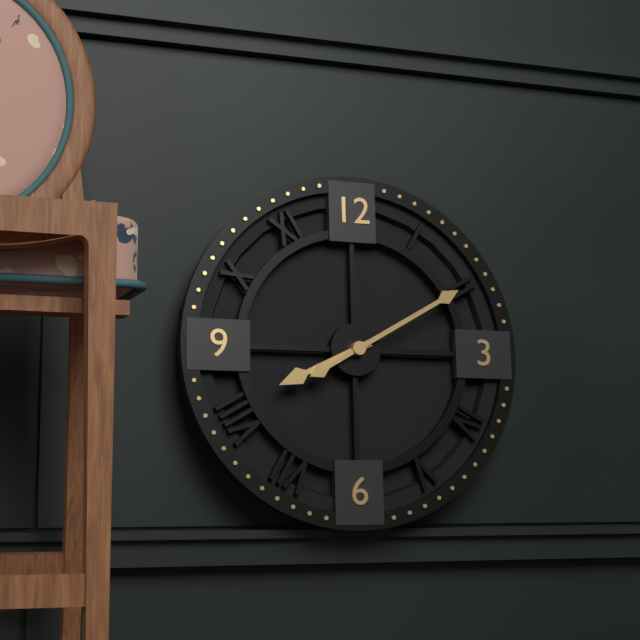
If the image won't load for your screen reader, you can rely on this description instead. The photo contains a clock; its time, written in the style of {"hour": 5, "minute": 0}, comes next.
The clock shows {"hour": 8, "minute": 10}
